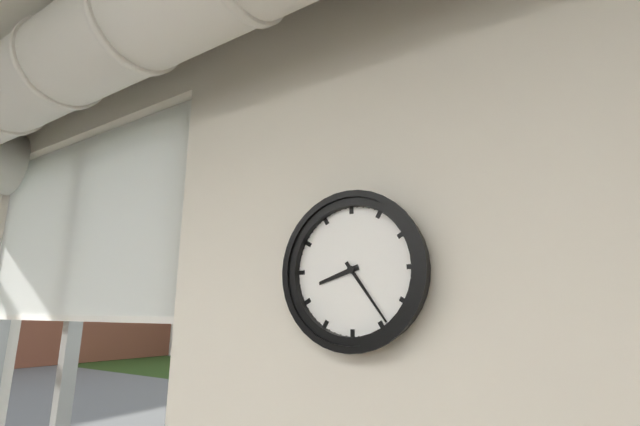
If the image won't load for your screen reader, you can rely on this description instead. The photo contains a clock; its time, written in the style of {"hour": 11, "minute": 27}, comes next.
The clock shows {"hour": 8, "minute": 24}
